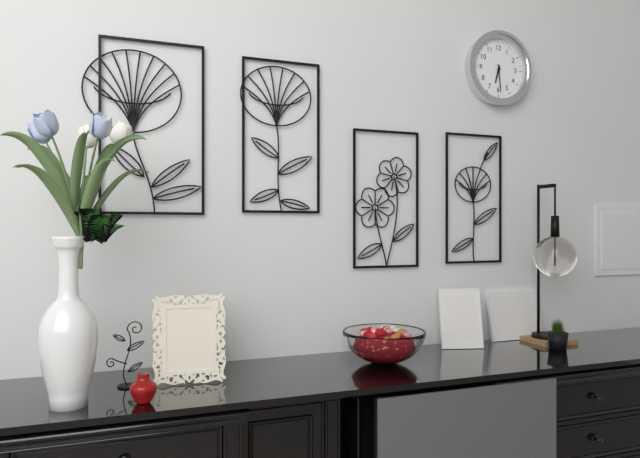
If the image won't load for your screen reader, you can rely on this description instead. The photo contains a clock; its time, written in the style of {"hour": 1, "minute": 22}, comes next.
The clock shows {"hour": 6, "minute": 29}
